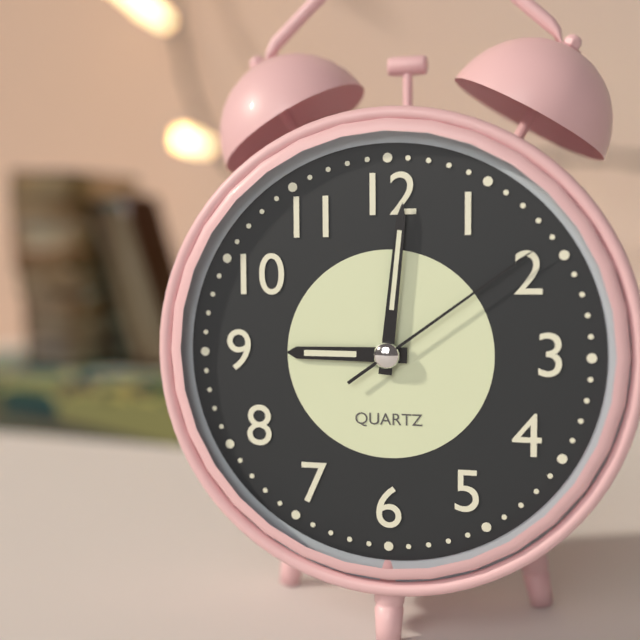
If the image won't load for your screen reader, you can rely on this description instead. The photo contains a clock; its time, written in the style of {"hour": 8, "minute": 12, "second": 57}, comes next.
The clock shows {"hour": 9, "minute": 1, "second": 9}
